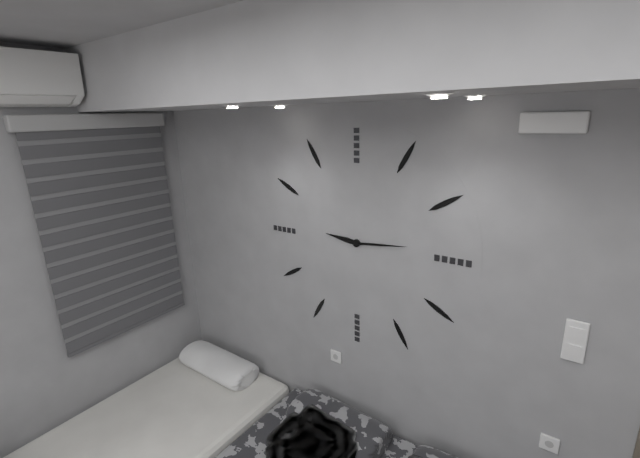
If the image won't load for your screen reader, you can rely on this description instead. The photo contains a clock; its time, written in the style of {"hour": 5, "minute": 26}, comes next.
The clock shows {"hour": 9, "minute": 14}
